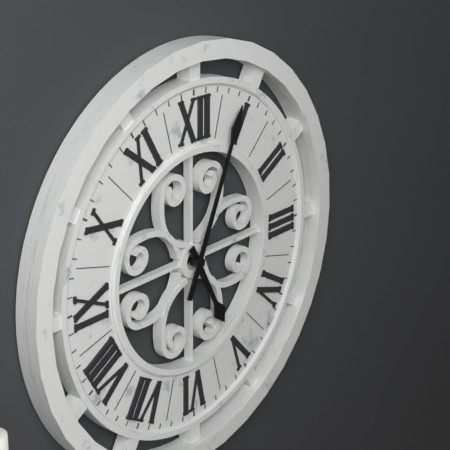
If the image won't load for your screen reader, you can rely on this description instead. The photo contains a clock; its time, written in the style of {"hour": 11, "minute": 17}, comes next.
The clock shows {"hour": 5, "minute": 4}
